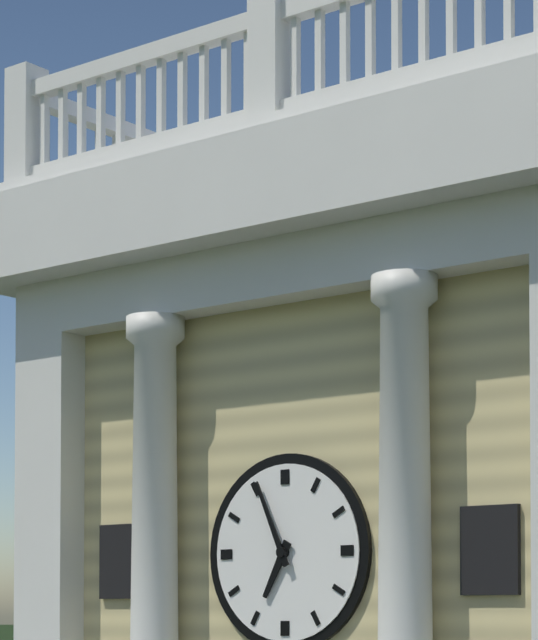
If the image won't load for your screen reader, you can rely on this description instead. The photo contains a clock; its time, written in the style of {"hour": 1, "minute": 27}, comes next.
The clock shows {"hour": 6, "minute": 56}
